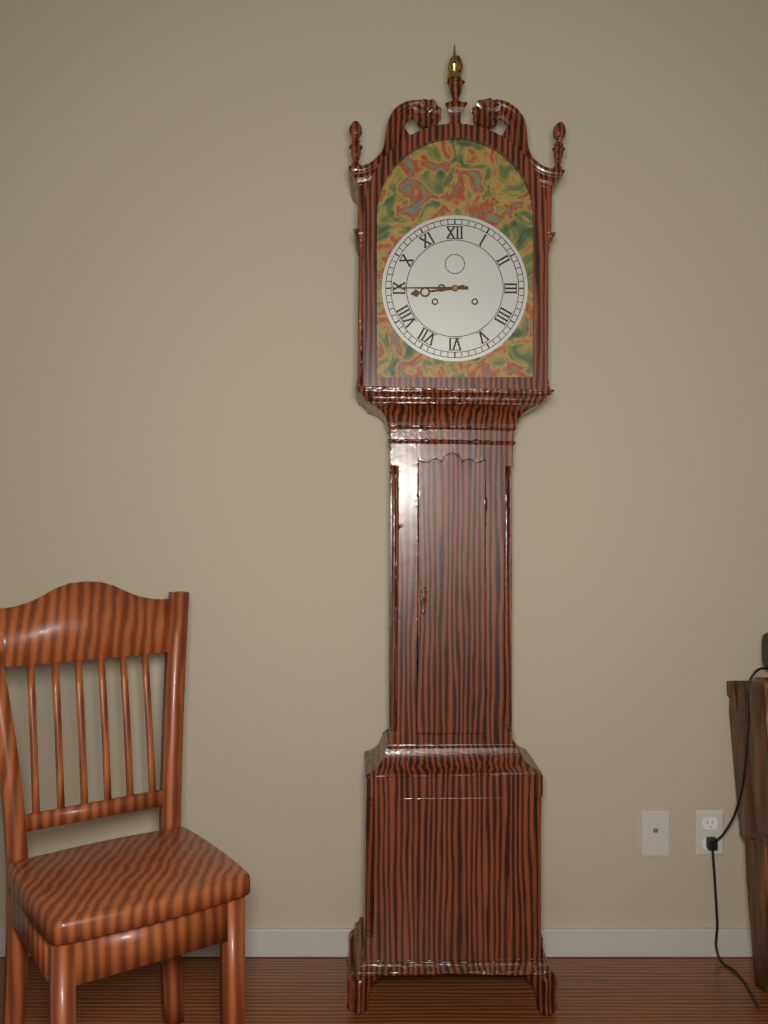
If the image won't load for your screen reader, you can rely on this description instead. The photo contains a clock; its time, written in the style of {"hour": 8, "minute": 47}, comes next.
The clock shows {"hour": 8, "minute": 45}
